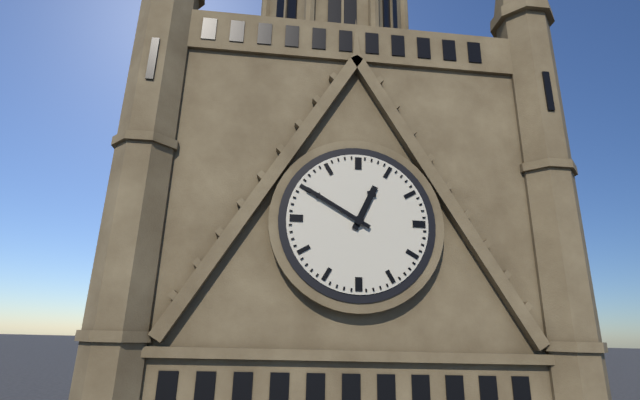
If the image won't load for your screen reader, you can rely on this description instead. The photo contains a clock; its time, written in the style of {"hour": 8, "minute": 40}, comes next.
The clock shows {"hour": 12, "minute": 50}
